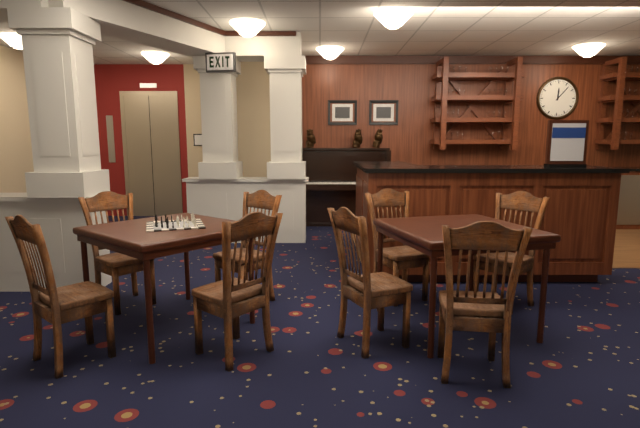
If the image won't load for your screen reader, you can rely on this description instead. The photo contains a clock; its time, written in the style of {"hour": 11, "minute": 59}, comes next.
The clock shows {"hour": 12, "minute": 7}
